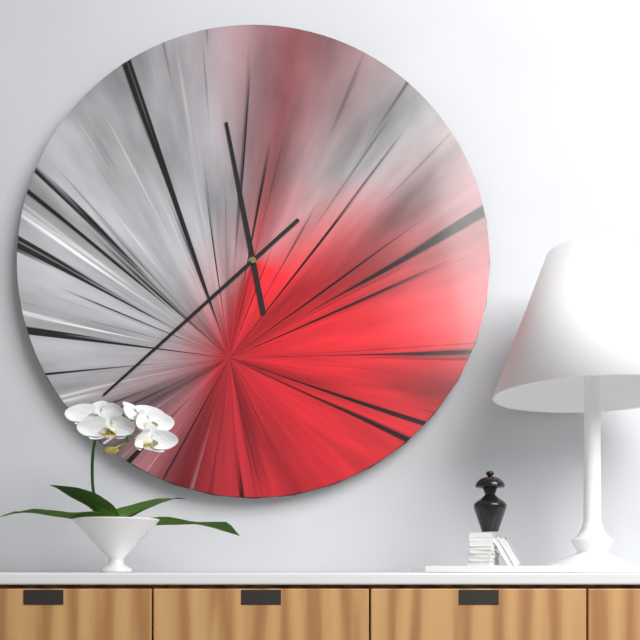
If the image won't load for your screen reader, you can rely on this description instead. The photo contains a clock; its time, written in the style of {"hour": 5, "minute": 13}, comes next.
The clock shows {"hour": 11, "minute": 38}
